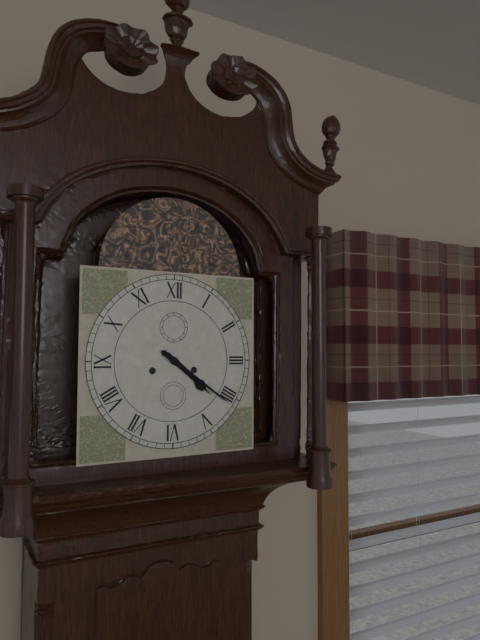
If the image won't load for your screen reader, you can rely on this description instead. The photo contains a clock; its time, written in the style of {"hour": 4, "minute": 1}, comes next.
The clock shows {"hour": 4, "minute": 21}
